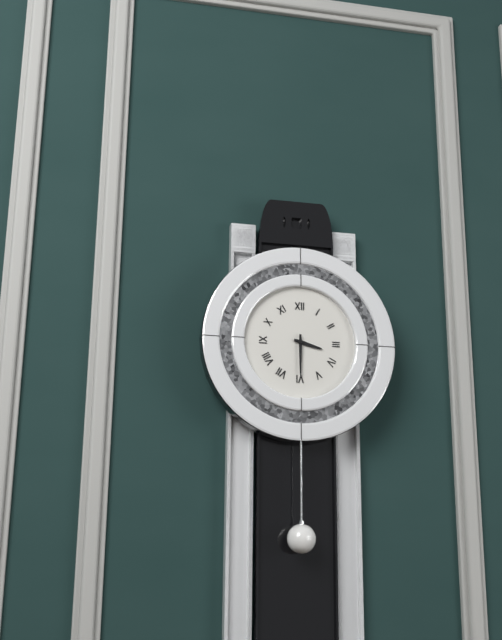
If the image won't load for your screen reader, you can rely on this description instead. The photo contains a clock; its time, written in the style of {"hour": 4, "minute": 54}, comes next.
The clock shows {"hour": 3, "minute": 30}
